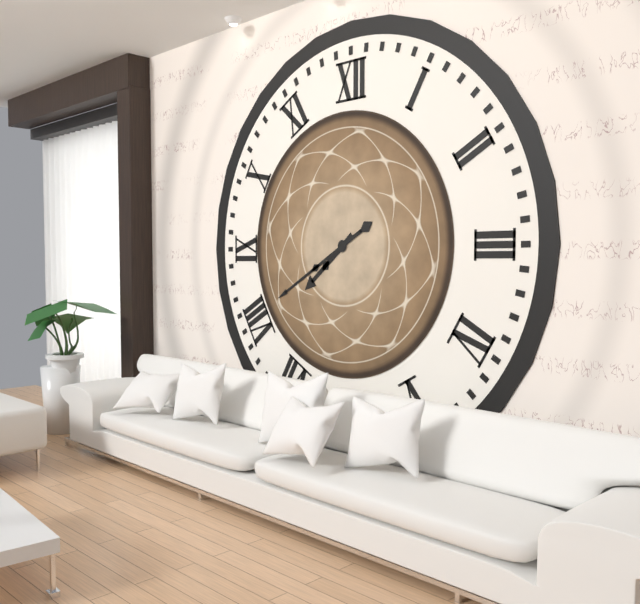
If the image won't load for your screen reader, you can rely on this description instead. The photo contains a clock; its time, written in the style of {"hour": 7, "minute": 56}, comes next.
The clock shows {"hour": 7, "minute": 40}
